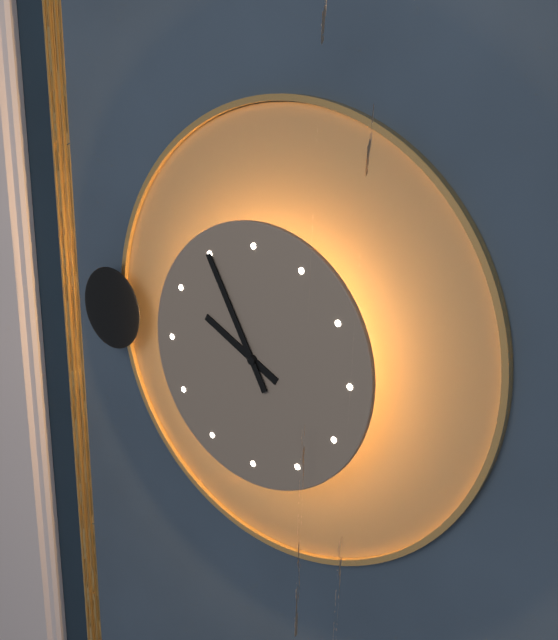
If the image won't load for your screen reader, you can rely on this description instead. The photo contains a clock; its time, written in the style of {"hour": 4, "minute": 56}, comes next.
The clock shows {"hour": 9, "minute": 55}
